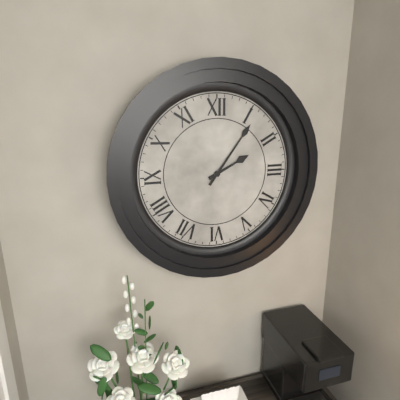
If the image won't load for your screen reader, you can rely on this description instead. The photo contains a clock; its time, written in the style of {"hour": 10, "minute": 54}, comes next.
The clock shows {"hour": 2, "minute": 6}
